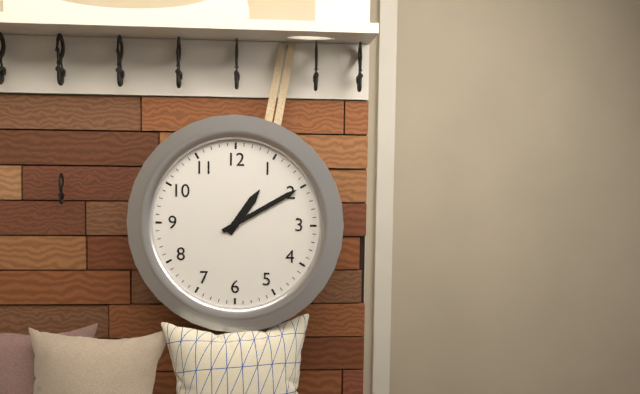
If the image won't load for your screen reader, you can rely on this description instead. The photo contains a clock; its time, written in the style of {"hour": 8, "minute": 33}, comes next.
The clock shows {"hour": 1, "minute": 10}
